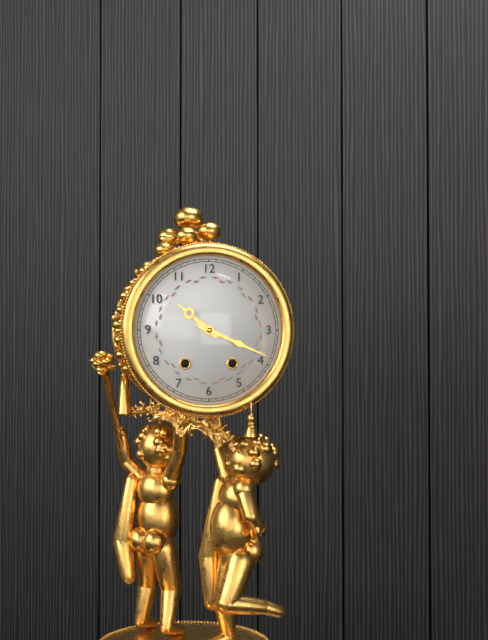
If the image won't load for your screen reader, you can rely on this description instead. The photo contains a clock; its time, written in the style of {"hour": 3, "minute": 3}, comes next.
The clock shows {"hour": 10, "minute": 19}
